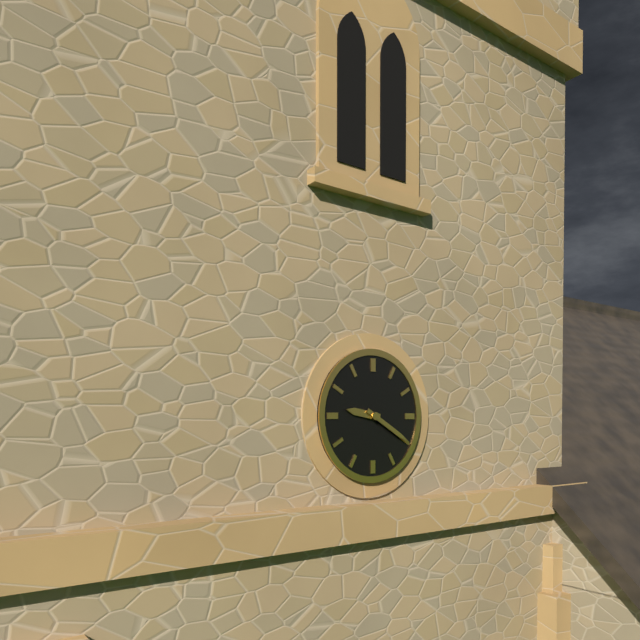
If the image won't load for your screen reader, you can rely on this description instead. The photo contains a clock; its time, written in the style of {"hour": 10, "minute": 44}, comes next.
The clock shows {"hour": 9, "minute": 20}
